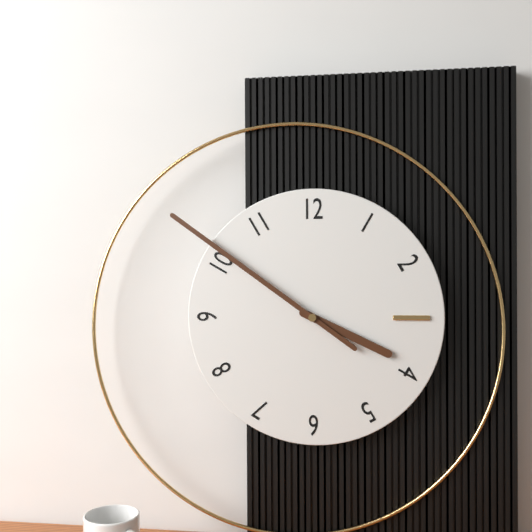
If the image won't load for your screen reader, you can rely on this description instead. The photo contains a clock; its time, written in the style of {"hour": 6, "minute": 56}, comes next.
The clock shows {"hour": 3, "minute": 51}
